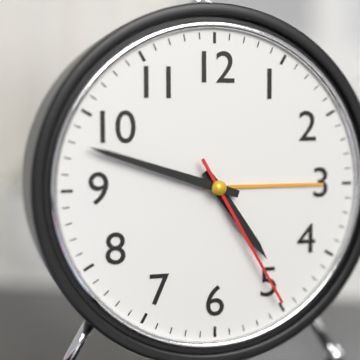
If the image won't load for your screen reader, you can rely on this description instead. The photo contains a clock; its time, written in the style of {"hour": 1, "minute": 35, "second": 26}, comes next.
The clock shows {"hour": 4, "minute": 48, "second": 25}
